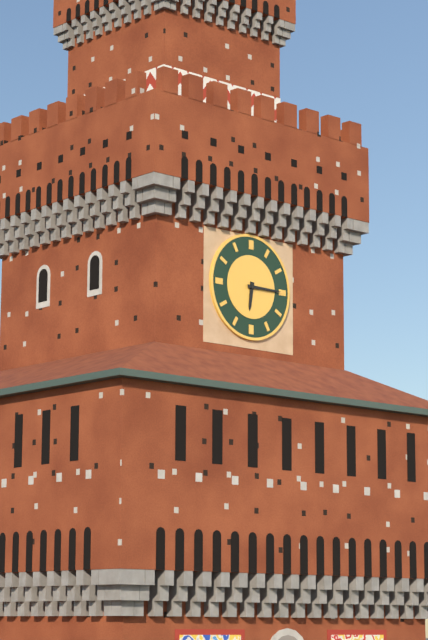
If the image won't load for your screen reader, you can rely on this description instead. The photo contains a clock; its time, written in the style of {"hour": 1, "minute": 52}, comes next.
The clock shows {"hour": 6, "minute": 15}
